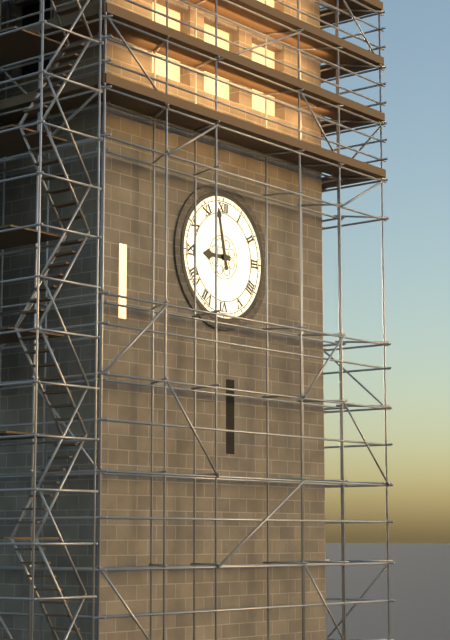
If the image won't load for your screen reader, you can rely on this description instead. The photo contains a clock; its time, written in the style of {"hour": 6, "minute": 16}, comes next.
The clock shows {"hour": 8, "minute": 58}
